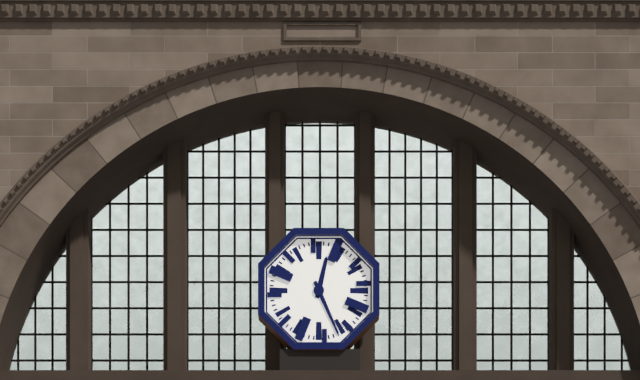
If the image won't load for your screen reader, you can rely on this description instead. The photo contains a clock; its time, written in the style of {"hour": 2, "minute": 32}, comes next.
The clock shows {"hour": 12, "minute": 26}
